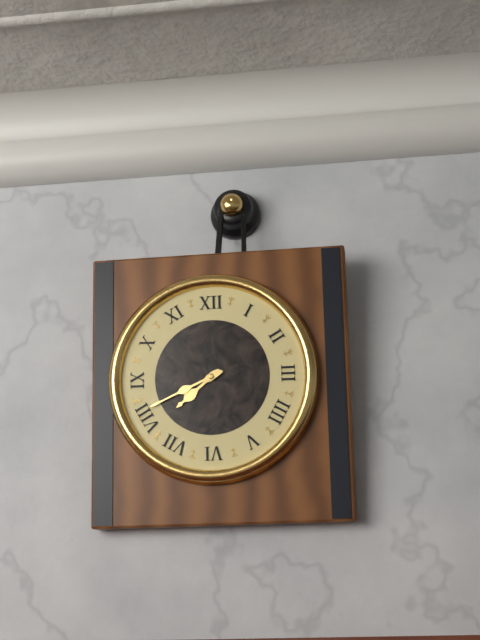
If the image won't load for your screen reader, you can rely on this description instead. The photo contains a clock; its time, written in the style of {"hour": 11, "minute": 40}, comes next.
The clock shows {"hour": 7, "minute": 41}
